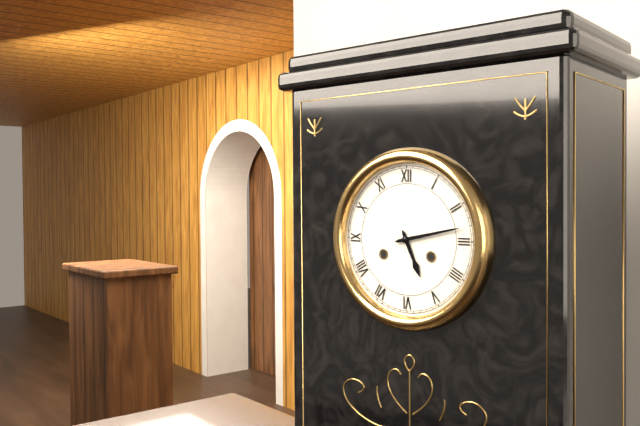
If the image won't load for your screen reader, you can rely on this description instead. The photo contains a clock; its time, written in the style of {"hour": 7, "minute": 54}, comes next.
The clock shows {"hour": 5, "minute": 13}
